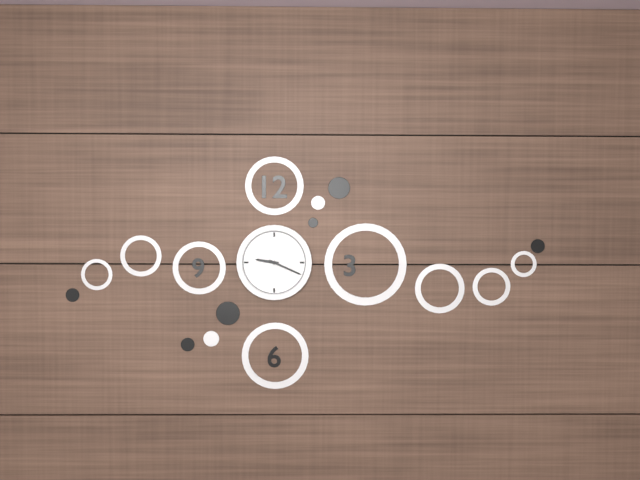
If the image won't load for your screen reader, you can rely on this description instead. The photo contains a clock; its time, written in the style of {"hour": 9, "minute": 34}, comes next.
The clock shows {"hour": 9, "minute": 19}
